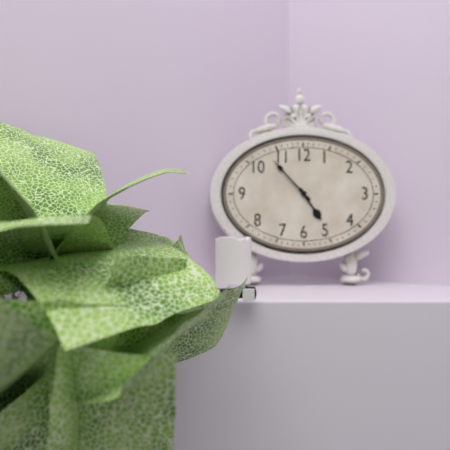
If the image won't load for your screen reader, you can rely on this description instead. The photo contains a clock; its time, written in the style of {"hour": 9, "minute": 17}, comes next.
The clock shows {"hour": 4, "minute": 53}
